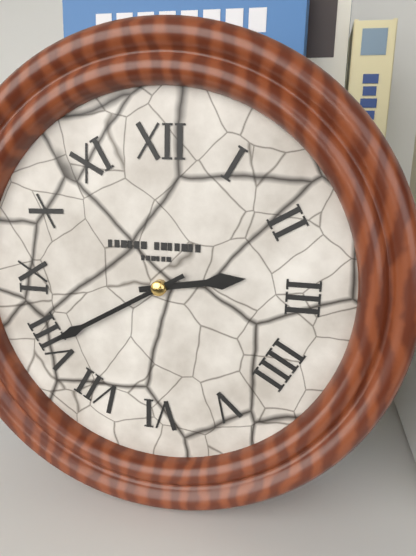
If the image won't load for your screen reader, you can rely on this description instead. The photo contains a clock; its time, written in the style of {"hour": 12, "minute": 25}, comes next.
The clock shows {"hour": 2, "minute": 40}
